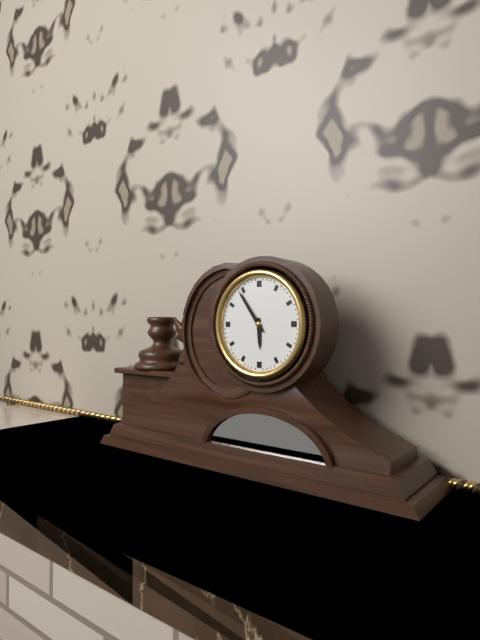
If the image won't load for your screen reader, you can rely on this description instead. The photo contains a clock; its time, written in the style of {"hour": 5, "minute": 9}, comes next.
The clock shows {"hour": 5, "minute": 54}
